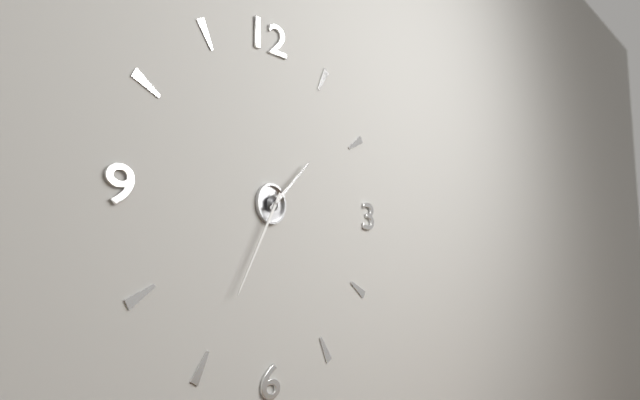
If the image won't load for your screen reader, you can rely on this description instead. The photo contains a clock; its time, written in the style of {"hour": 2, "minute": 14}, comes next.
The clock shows {"hour": 1, "minute": 35}
